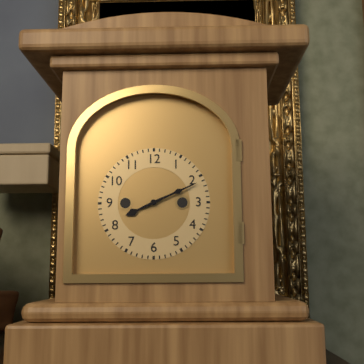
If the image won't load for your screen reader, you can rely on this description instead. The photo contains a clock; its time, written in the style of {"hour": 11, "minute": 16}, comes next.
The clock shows {"hour": 8, "minute": 11}
